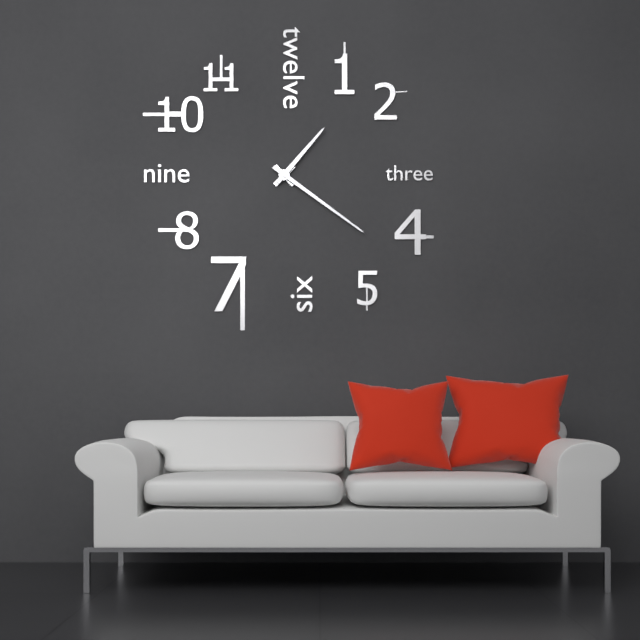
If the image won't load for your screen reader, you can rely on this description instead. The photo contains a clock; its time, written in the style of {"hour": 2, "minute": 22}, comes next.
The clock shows {"hour": 1, "minute": 21}
